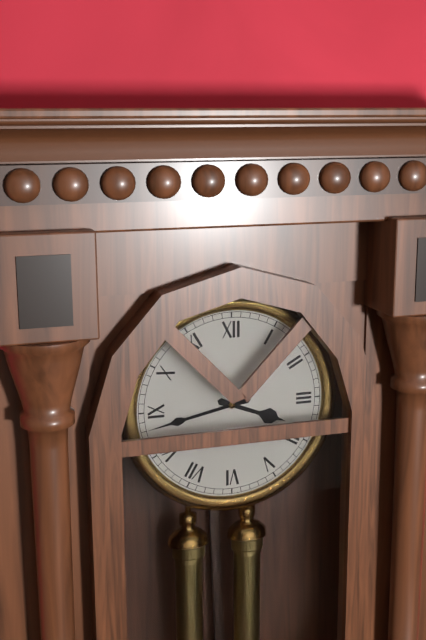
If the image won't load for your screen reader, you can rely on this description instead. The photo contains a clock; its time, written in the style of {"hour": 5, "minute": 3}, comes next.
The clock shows {"hour": 3, "minute": 43}
